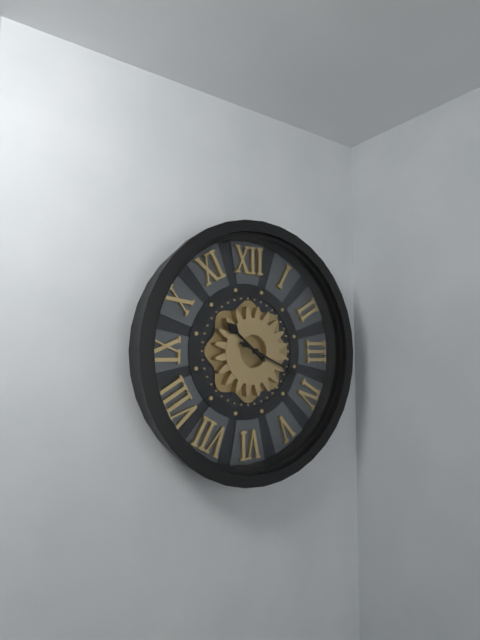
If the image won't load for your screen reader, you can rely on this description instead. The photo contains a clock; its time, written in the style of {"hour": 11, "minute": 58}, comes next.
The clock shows {"hour": 10, "minute": 19}
